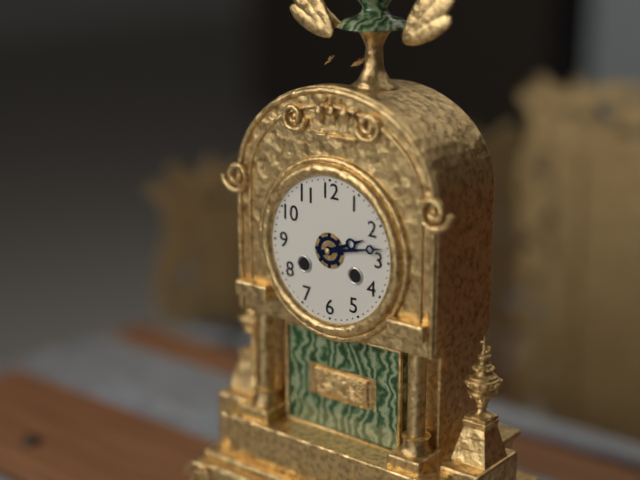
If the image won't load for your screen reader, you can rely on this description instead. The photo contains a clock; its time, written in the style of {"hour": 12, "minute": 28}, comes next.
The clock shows {"hour": 2, "minute": 13}
